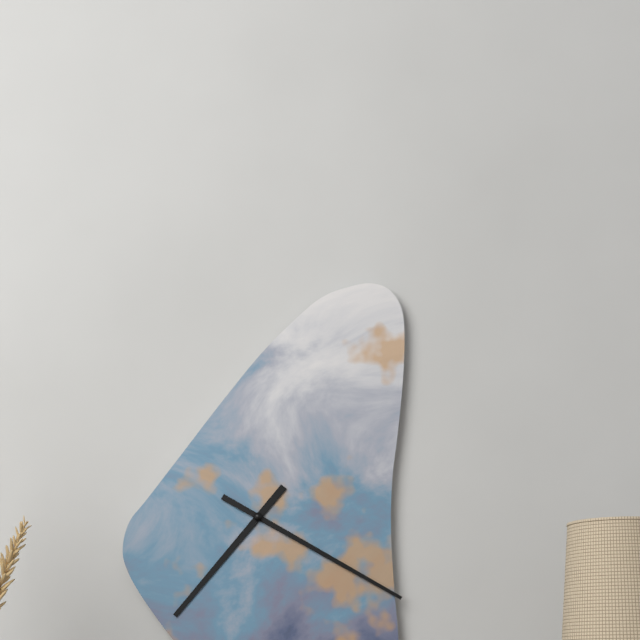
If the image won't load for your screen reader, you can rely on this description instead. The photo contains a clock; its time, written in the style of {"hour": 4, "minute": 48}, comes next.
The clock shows {"hour": 7, "minute": 20}
